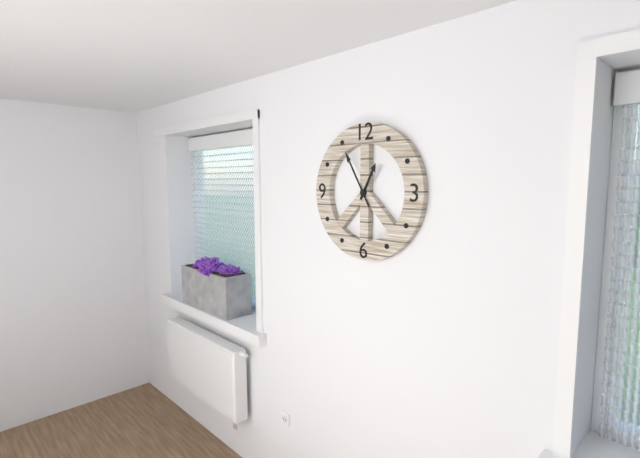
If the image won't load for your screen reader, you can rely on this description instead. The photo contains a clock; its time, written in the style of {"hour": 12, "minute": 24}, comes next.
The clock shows {"hour": 12, "minute": 55}
